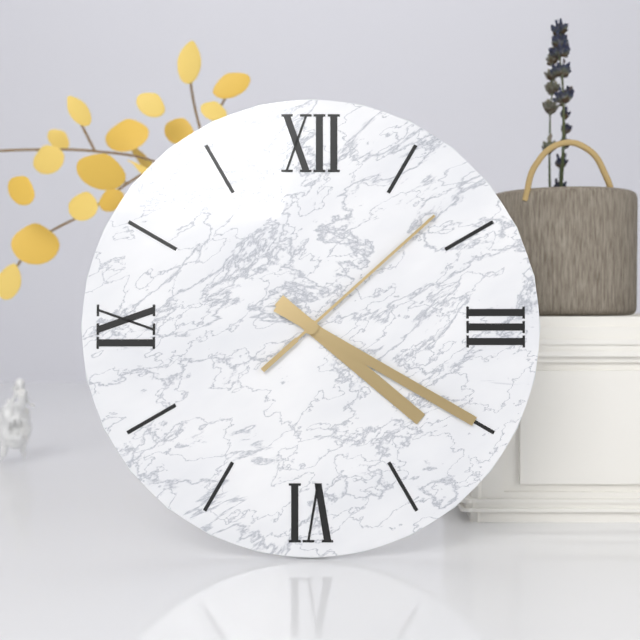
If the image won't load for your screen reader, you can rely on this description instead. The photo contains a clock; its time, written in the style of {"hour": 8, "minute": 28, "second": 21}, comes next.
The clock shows {"hour": 4, "minute": 20, "second": 8}
